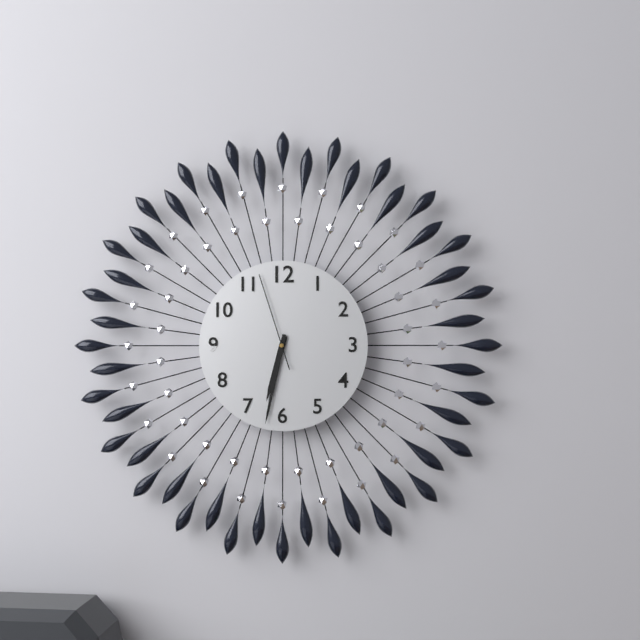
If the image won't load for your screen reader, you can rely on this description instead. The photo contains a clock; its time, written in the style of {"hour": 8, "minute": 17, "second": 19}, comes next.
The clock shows {"hour": 6, "minute": 32, "second": 57}
